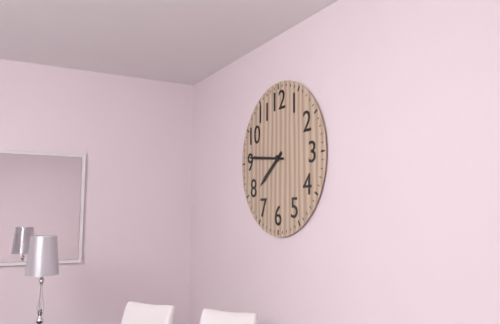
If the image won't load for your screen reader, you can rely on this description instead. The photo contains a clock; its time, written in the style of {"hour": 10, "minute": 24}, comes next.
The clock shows {"hour": 7, "minute": 46}
